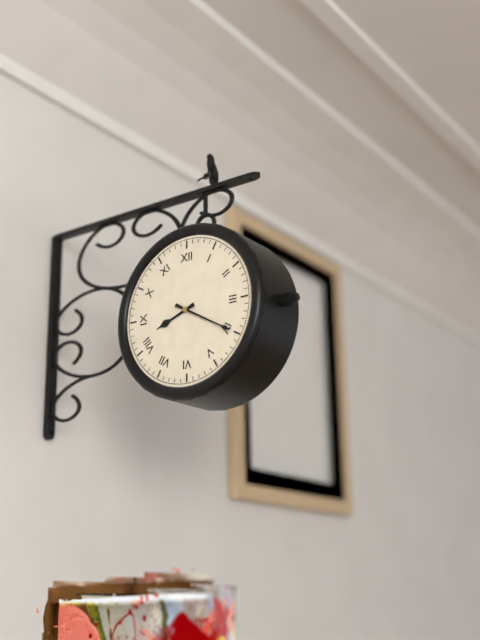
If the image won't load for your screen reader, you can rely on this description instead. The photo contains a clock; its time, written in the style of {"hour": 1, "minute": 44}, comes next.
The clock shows {"hour": 8, "minute": 20}
